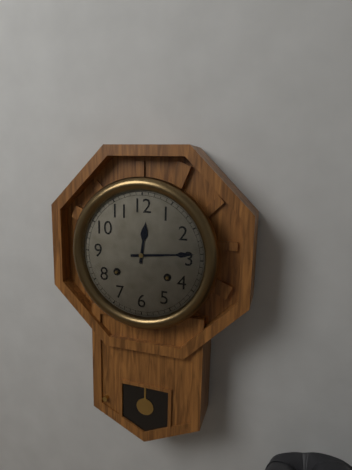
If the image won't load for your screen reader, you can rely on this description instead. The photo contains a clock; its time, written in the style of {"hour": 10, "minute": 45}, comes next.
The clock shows {"hour": 12, "minute": 14}
